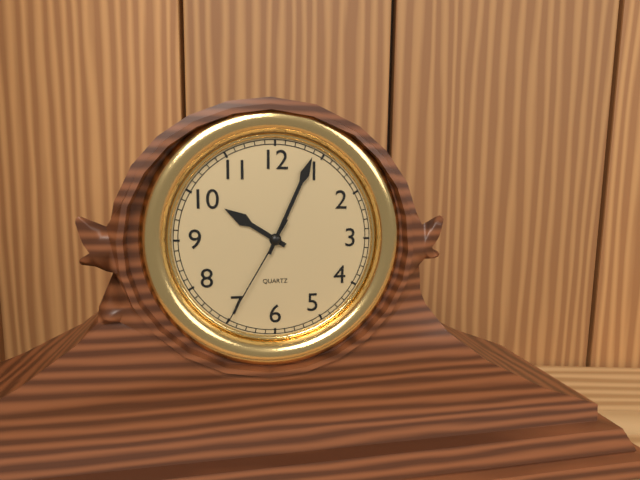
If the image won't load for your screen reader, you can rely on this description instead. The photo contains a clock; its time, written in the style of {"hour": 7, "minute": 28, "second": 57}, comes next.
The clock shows {"hour": 10, "minute": 4, "second": 35}
